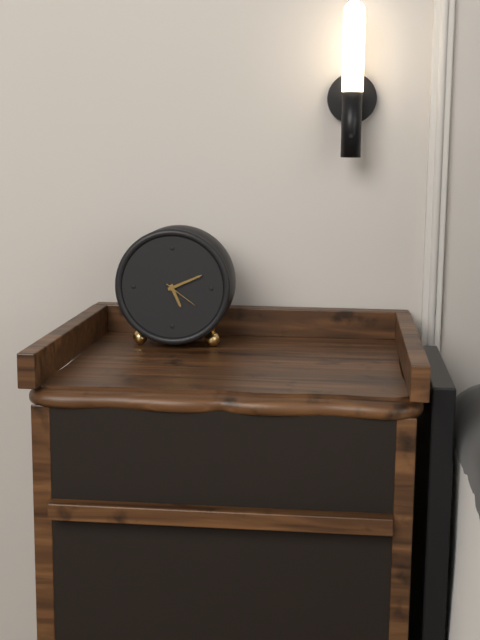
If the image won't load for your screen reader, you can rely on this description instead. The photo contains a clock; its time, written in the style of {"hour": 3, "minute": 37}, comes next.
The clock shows {"hour": 5, "minute": 11}
